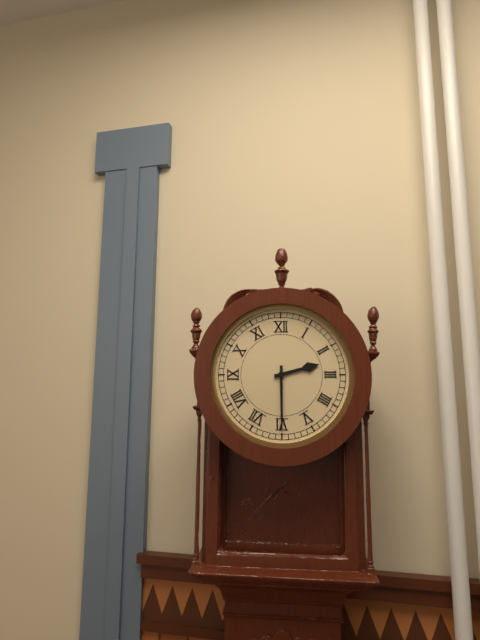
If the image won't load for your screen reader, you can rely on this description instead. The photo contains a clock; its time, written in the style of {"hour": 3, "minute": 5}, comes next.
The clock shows {"hour": 2, "minute": 30}
